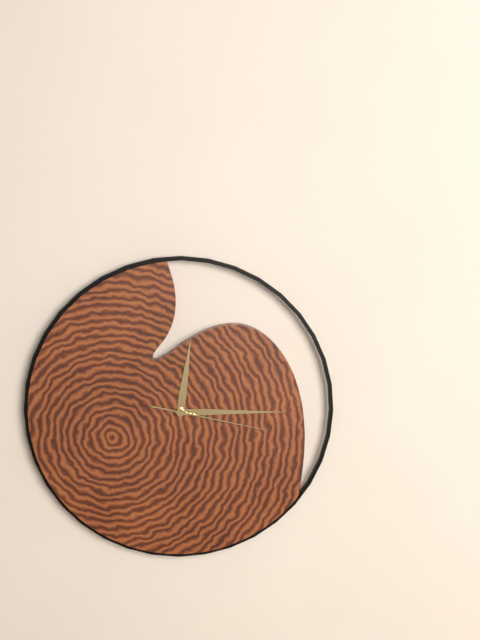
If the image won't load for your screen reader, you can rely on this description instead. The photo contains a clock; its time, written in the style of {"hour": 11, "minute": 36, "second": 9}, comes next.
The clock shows {"hour": 12, "minute": 15, "second": 17}
